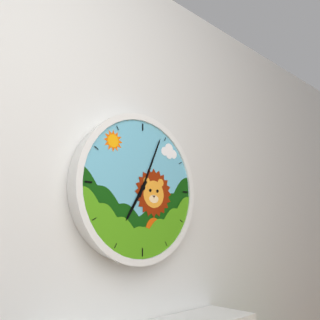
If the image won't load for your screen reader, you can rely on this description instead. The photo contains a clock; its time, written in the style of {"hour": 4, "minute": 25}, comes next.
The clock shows {"hour": 7, "minute": 4}
